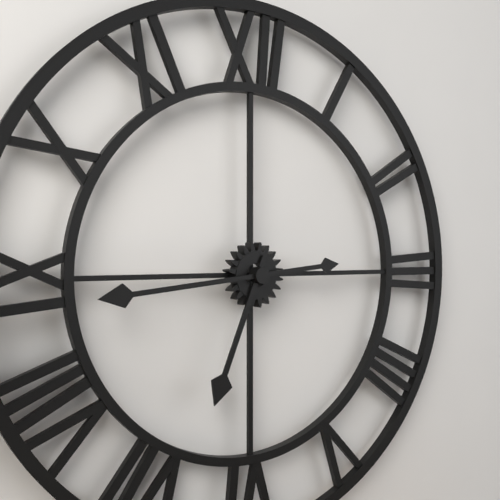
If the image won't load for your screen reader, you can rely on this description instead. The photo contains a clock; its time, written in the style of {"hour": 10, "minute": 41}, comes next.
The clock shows {"hour": 6, "minute": 44}
